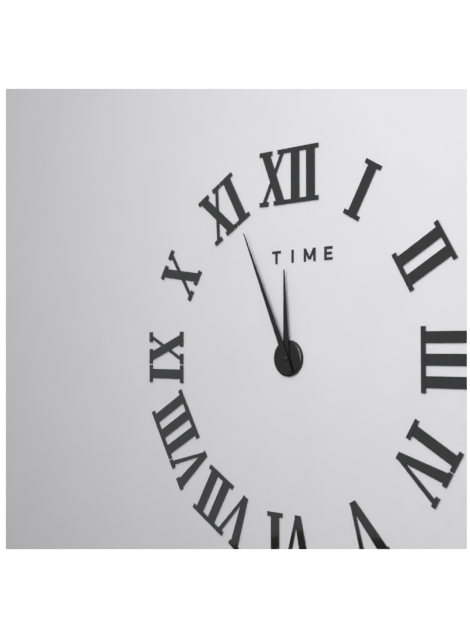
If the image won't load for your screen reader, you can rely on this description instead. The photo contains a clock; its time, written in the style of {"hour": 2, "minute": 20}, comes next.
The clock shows {"hour": 11, "minute": 56}
